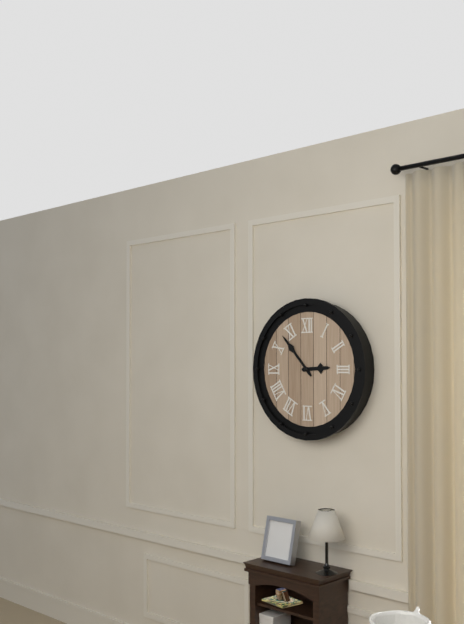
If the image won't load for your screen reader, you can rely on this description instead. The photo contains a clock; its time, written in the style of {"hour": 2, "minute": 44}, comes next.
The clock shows {"hour": 2, "minute": 53}
